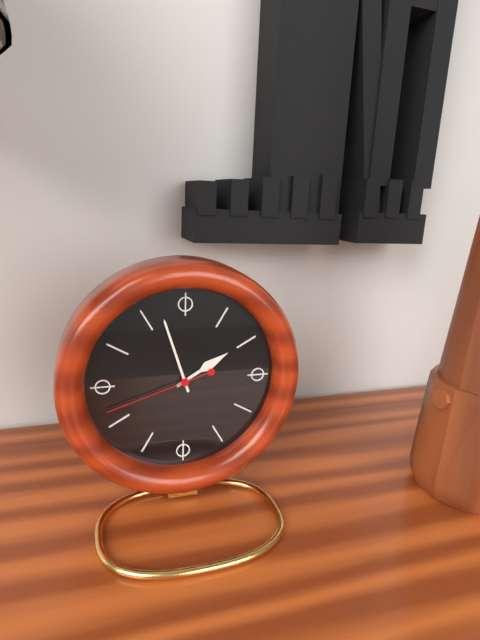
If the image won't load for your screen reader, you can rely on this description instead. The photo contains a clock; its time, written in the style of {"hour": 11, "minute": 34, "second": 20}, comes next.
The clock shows {"hour": 1, "minute": 57, "second": 42}
